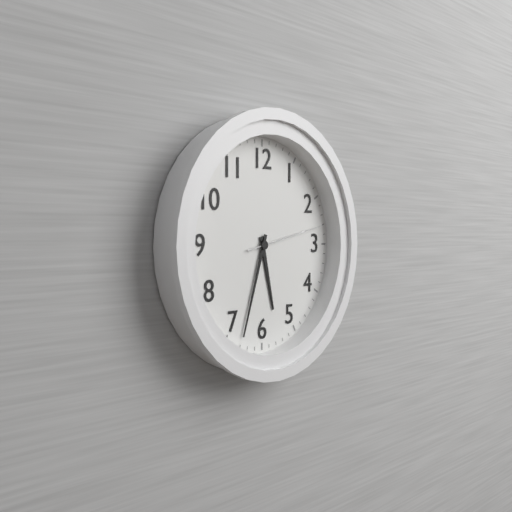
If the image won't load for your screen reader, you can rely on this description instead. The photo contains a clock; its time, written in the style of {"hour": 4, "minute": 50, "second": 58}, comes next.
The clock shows {"hour": 5, "minute": 33, "second": 13}
